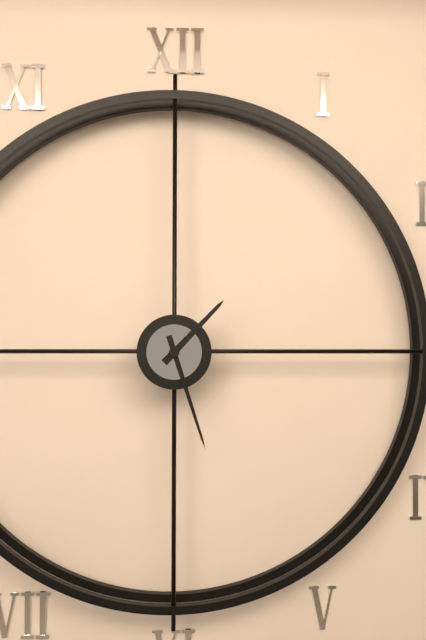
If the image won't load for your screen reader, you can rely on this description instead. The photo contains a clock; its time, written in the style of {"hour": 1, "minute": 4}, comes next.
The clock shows {"hour": 1, "minute": 27}
